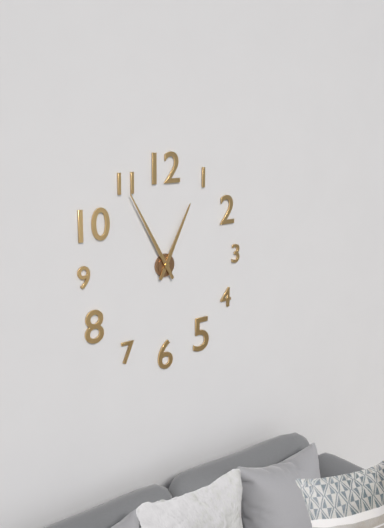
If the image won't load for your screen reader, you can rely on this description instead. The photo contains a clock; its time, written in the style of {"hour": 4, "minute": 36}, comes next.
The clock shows {"hour": 12, "minute": 55}
